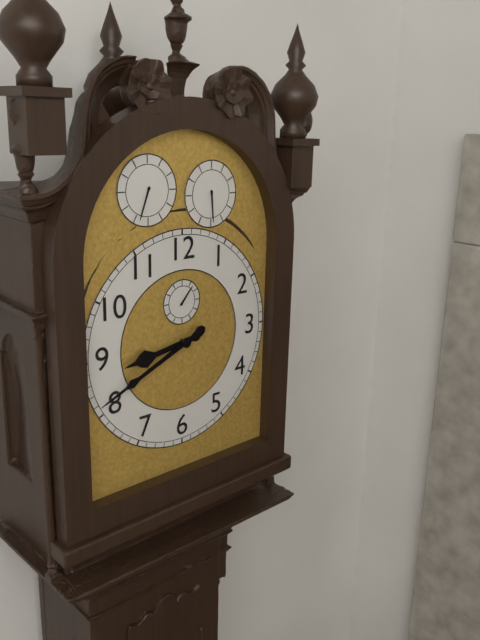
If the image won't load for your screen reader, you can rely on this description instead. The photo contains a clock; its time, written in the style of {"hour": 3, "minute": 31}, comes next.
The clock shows {"hour": 8, "minute": 41}
